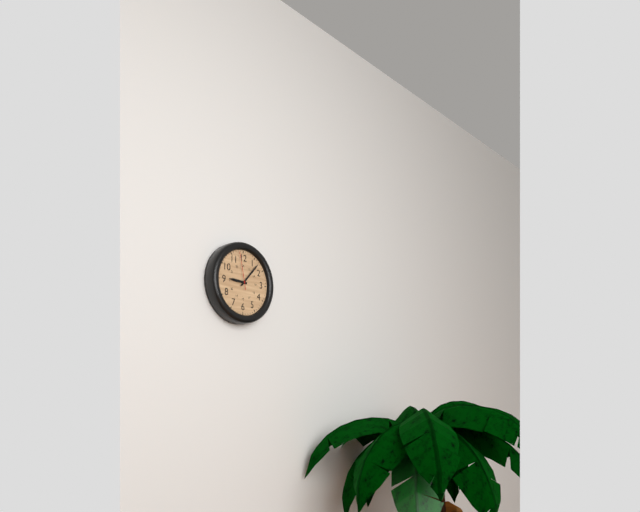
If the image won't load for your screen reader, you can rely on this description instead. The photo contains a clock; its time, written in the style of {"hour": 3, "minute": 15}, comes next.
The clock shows {"hour": 9, "minute": 7}
